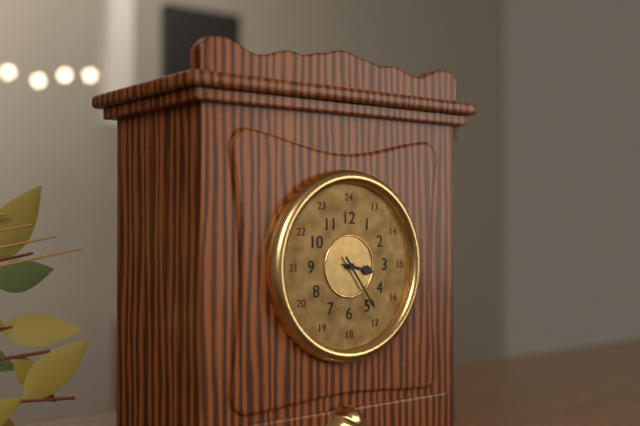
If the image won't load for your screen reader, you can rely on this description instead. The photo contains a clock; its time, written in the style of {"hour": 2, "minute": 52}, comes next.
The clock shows {"hour": 3, "minute": 24}
